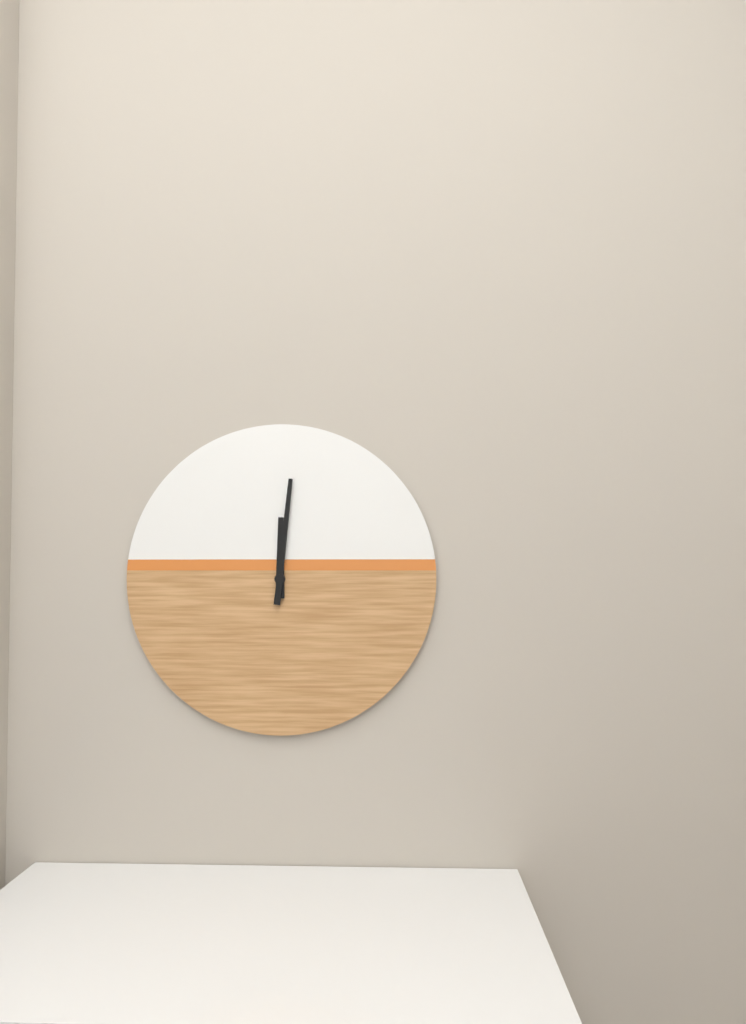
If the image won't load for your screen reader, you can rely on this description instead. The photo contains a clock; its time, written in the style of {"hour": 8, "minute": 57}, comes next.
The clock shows {"hour": 12, "minute": 1}
